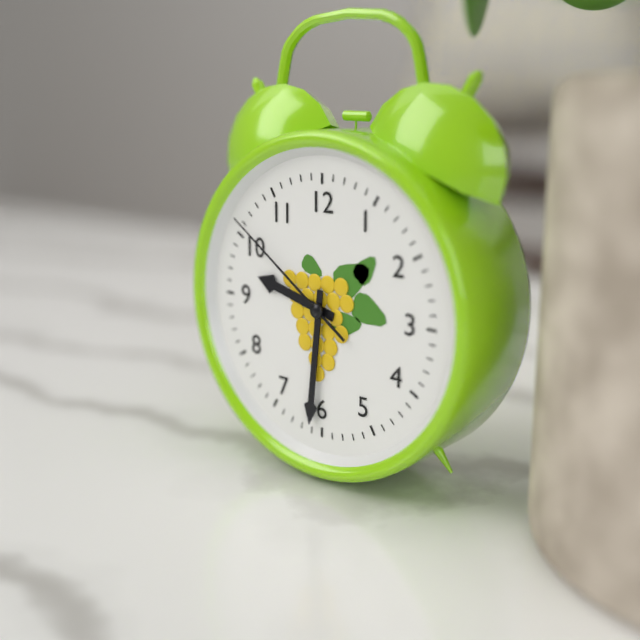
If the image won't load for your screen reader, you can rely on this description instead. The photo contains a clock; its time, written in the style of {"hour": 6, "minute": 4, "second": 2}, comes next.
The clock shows {"hour": 9, "minute": 31, "second": 51}
